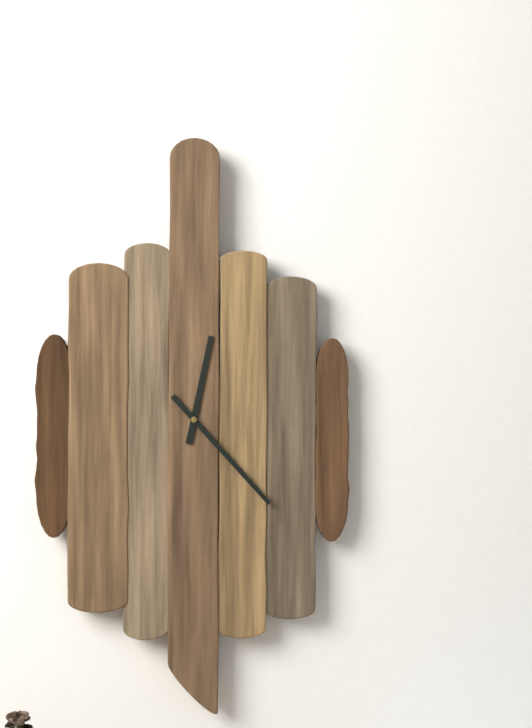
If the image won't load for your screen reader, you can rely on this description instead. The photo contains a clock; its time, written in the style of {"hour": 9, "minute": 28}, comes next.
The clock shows {"hour": 12, "minute": 23}
